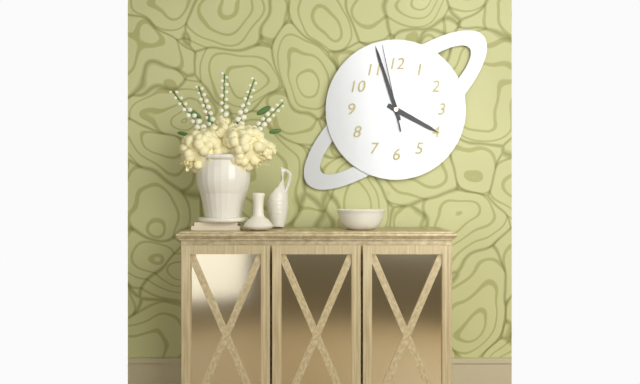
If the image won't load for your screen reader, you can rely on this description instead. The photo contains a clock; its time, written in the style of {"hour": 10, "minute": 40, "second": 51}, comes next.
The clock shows {"hour": 3, "minute": 57, "second": 58}
